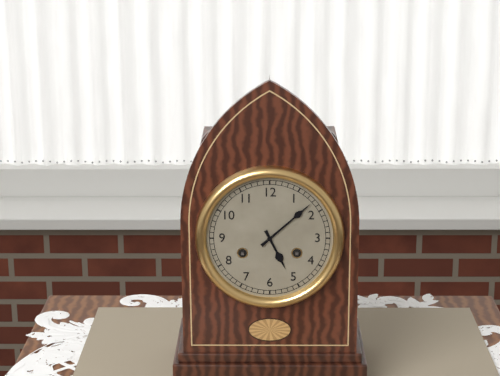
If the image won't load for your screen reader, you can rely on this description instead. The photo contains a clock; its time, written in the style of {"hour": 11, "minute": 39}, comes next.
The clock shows {"hour": 5, "minute": 8}
